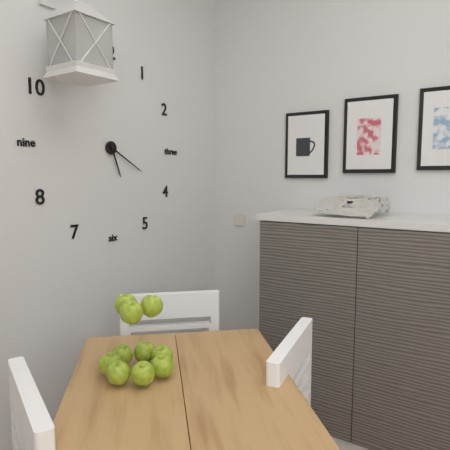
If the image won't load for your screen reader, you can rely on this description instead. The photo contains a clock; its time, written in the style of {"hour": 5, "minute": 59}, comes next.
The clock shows {"hour": 5, "minute": 20}
